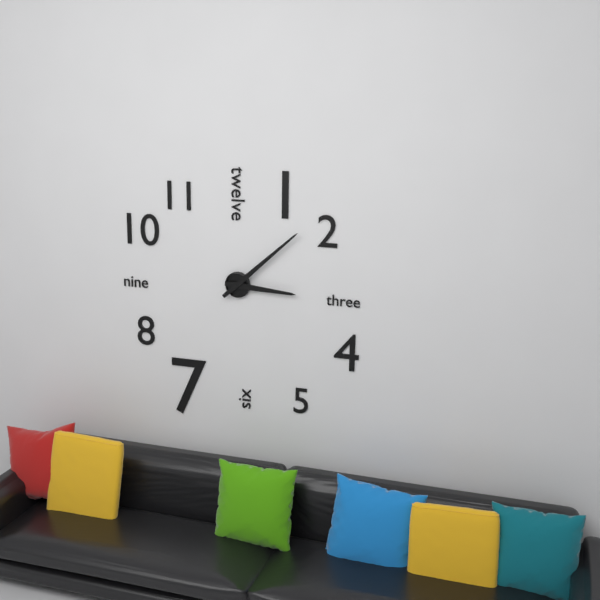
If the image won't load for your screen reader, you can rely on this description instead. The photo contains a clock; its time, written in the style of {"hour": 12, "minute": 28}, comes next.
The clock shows {"hour": 3, "minute": 8}
